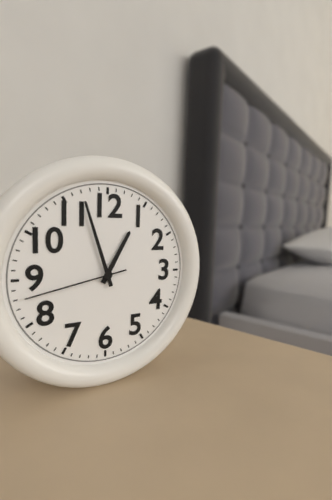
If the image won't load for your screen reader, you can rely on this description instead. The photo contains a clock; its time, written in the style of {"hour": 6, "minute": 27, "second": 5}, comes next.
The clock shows {"hour": 12, "minute": 57, "second": 43}
